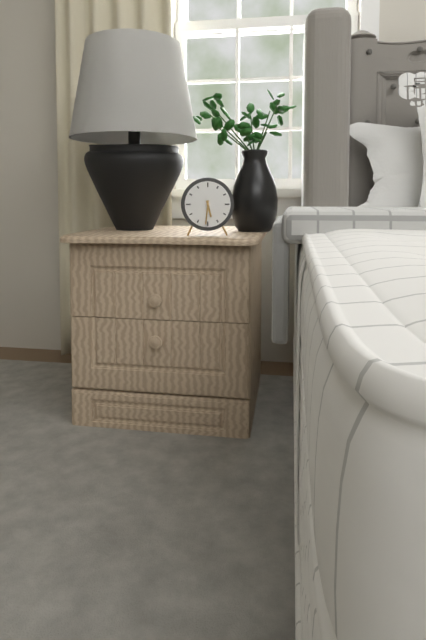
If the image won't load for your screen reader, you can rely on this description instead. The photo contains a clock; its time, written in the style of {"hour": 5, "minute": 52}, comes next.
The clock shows {"hour": 5, "minute": 31}
